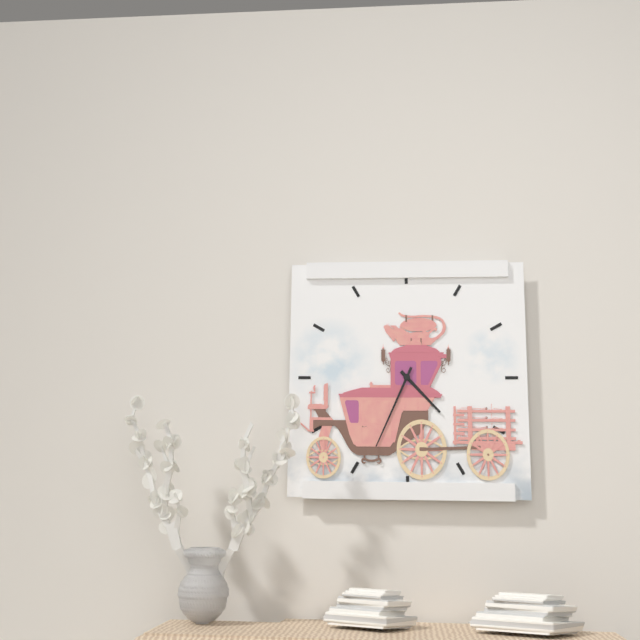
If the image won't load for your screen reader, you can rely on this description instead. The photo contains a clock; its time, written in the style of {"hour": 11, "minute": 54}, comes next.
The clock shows {"hour": 4, "minute": 34}
